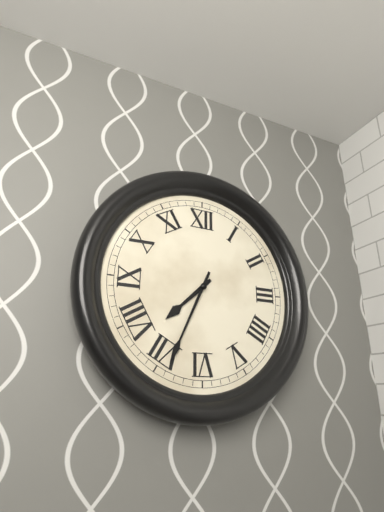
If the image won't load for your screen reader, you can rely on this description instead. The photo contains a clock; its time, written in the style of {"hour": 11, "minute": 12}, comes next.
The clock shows {"hour": 7, "minute": 34}
